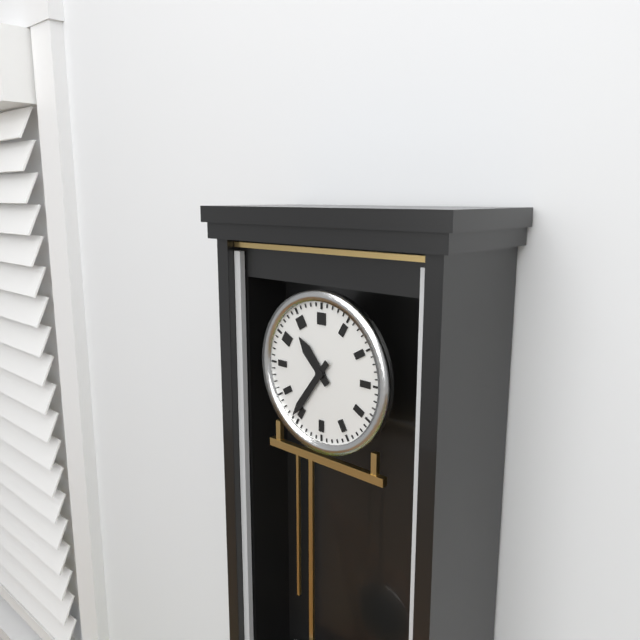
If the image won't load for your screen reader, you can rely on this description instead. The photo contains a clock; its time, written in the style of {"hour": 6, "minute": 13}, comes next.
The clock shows {"hour": 10, "minute": 36}
